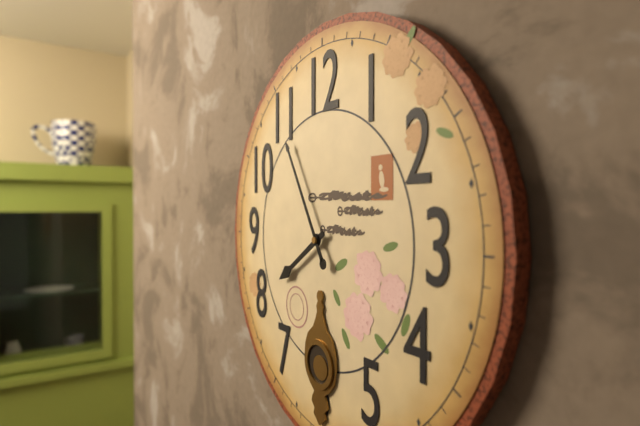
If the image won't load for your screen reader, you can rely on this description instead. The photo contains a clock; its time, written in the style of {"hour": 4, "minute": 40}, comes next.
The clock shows {"hour": 7, "minute": 55}
